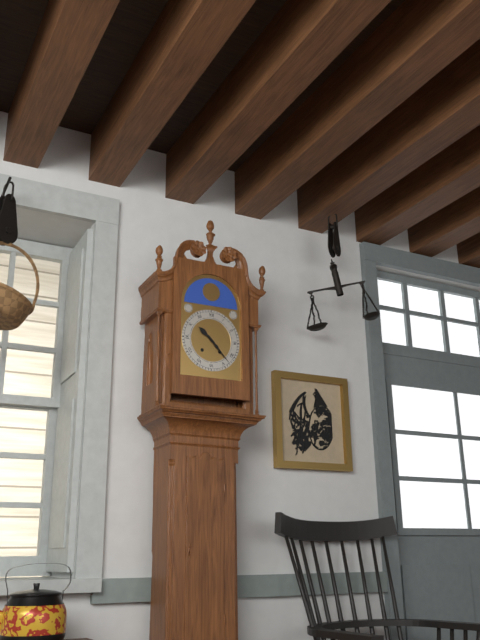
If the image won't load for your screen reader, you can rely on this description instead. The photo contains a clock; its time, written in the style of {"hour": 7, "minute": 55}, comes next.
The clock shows {"hour": 10, "minute": 23}
